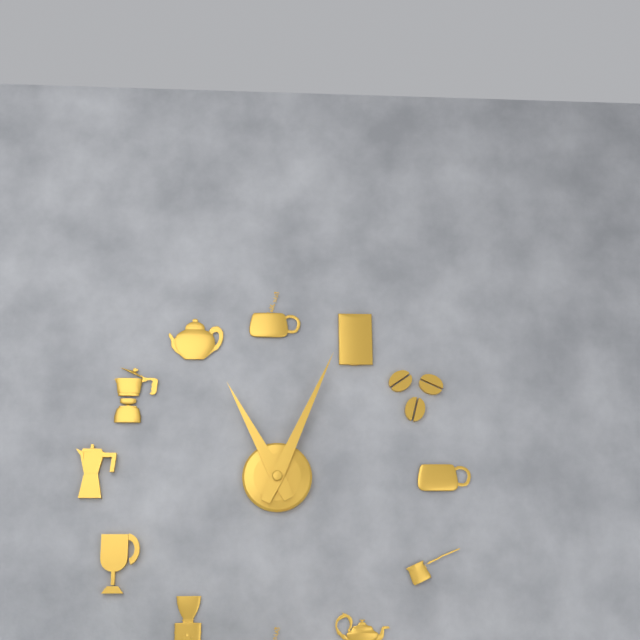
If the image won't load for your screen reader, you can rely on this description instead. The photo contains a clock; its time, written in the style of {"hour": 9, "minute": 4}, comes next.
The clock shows {"hour": 11, "minute": 4}
